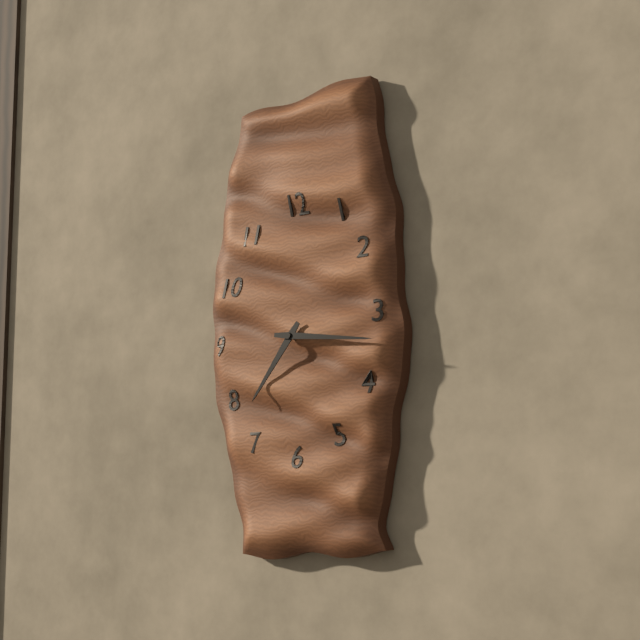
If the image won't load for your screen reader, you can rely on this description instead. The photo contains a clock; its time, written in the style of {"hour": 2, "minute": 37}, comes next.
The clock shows {"hour": 7, "minute": 16}
